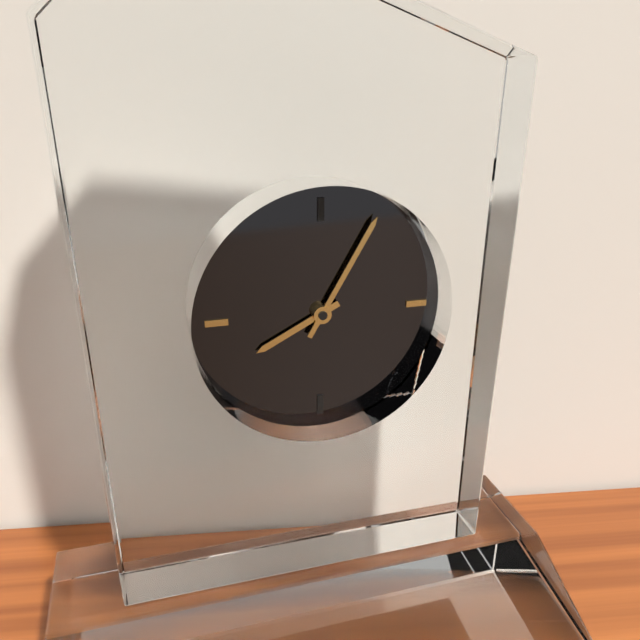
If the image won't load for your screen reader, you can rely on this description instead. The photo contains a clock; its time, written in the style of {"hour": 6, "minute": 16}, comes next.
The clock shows {"hour": 8, "minute": 5}
